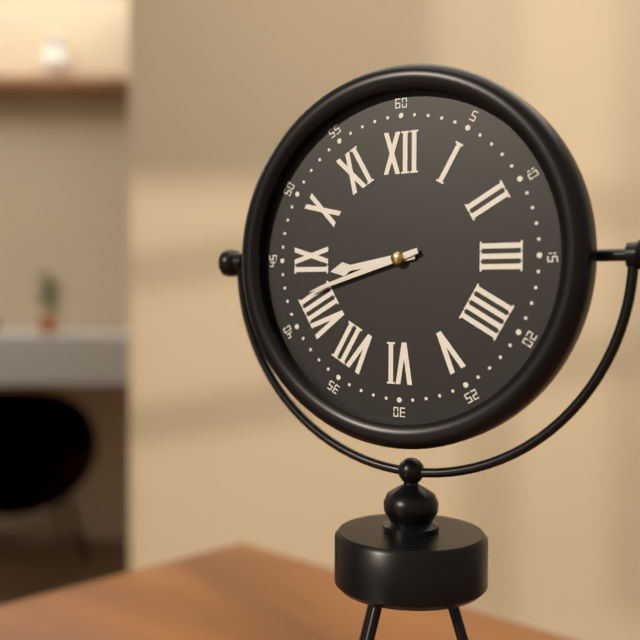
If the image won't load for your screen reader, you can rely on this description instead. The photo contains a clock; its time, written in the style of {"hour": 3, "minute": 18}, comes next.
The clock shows {"hour": 8, "minute": 42}
